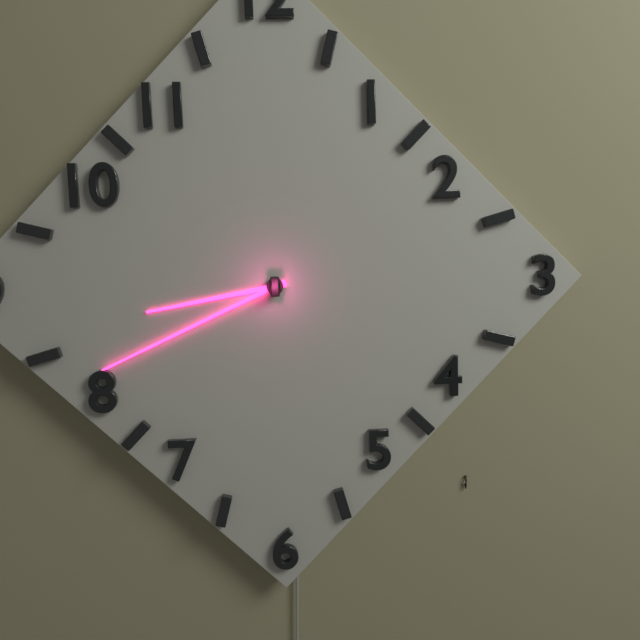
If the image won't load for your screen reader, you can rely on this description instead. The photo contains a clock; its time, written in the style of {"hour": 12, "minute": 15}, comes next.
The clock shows {"hour": 8, "minute": 41}
